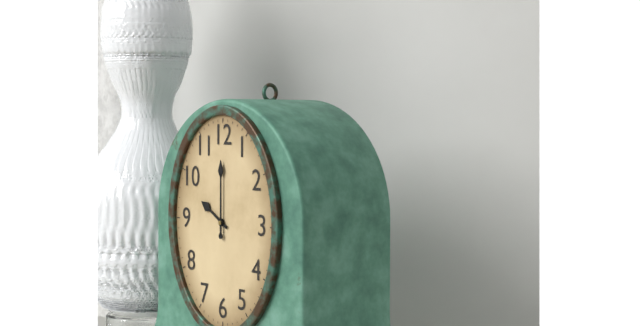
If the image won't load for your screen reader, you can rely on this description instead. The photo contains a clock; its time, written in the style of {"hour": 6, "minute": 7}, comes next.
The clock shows {"hour": 10, "minute": 0}
